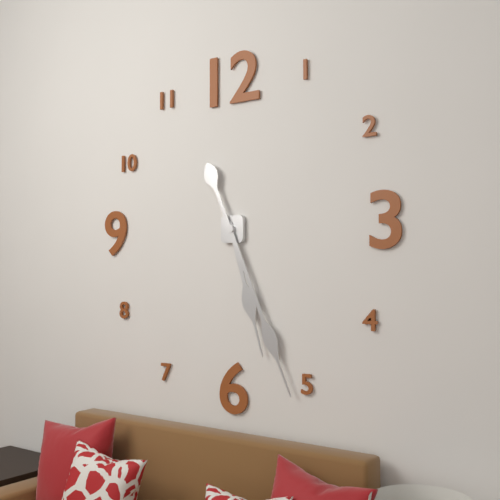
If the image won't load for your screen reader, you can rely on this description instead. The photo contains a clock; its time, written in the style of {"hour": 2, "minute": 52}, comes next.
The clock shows {"hour": 5, "minute": 26}
